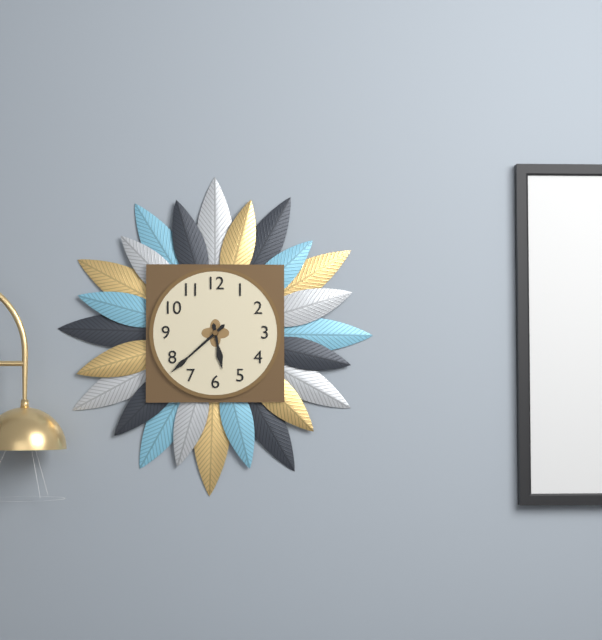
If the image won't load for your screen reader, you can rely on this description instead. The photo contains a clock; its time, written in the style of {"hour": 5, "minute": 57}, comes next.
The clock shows {"hour": 5, "minute": 38}
